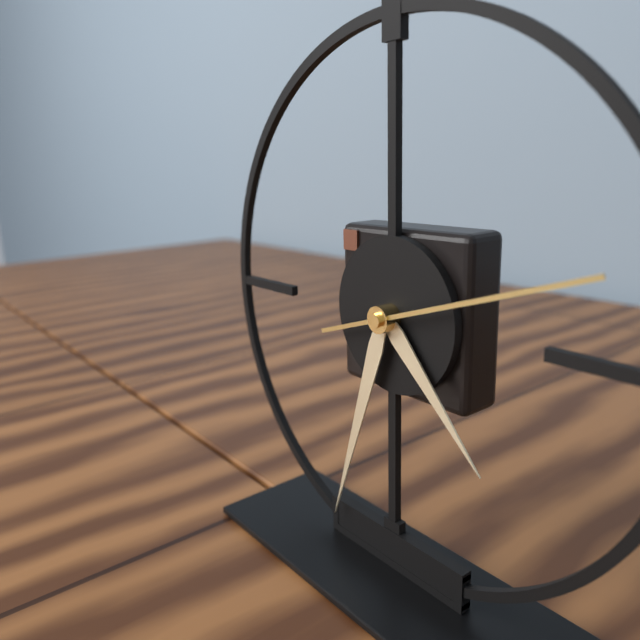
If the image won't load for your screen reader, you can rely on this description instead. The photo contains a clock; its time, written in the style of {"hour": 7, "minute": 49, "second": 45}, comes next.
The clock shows {"hour": 4, "minute": 33, "second": 12}
